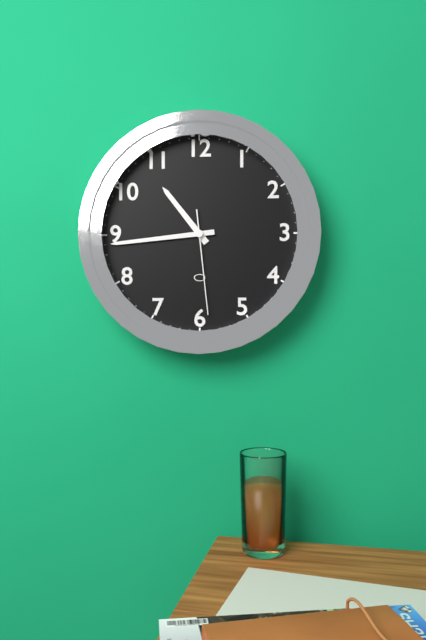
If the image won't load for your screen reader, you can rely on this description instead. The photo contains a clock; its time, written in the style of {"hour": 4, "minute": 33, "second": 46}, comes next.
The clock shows {"hour": 10, "minute": 44, "second": 29}
